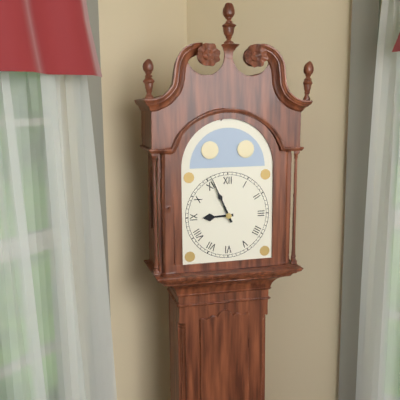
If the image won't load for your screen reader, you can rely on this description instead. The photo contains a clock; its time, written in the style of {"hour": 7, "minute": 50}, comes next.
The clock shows {"hour": 8, "minute": 56}
